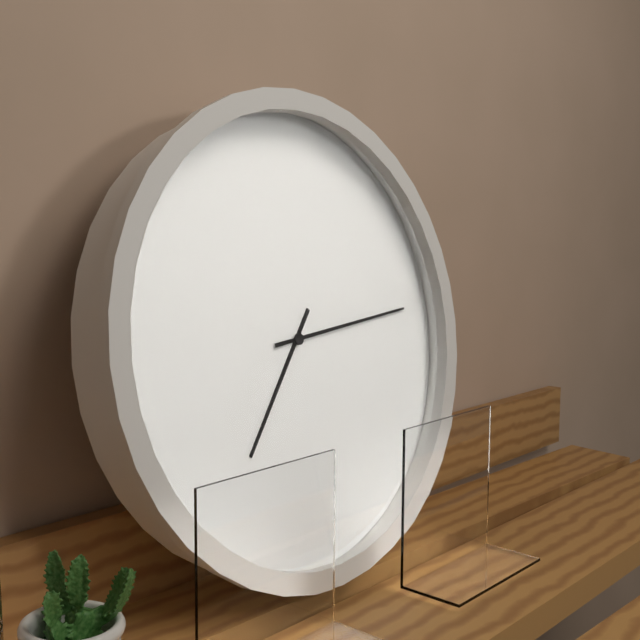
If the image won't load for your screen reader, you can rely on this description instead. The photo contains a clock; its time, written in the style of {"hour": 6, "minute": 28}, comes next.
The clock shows {"hour": 7, "minute": 14}
